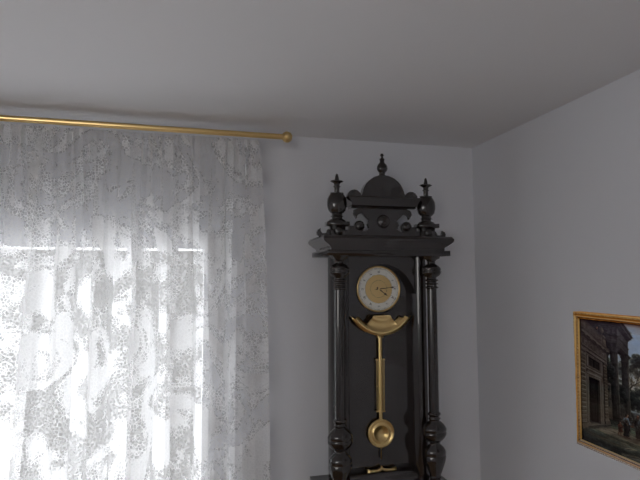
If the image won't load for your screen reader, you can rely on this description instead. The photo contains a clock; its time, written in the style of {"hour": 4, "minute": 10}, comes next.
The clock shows {"hour": 4, "minute": 14}
